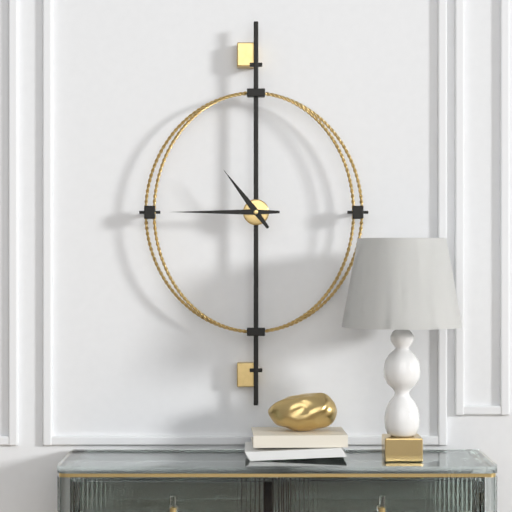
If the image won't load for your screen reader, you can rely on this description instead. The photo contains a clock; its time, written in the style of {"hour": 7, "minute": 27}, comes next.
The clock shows {"hour": 10, "minute": 45}
